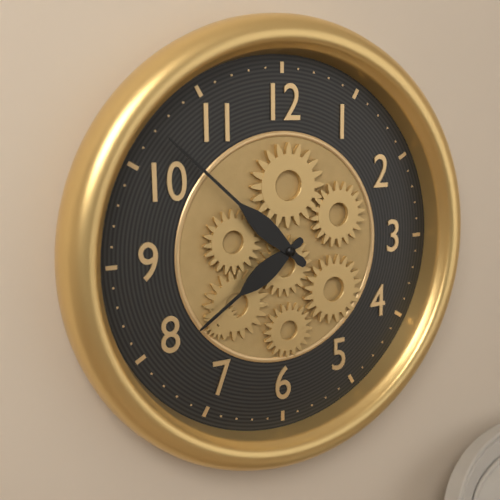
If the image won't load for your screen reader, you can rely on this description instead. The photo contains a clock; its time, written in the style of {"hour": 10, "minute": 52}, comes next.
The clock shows {"hour": 7, "minute": 52}
